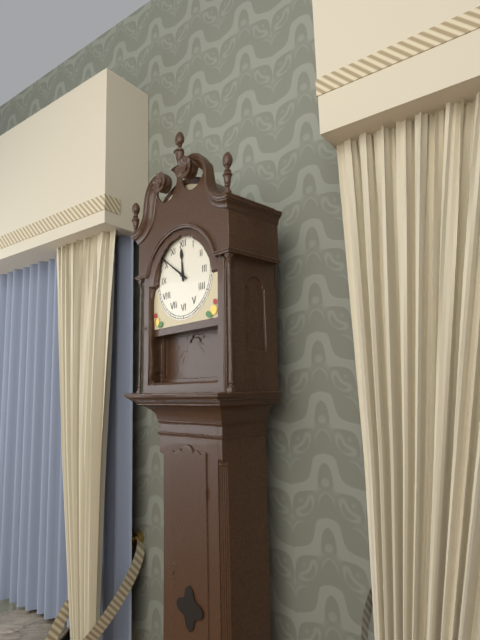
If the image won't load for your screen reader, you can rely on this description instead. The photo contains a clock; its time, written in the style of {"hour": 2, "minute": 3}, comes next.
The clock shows {"hour": 11, "minute": 51}
